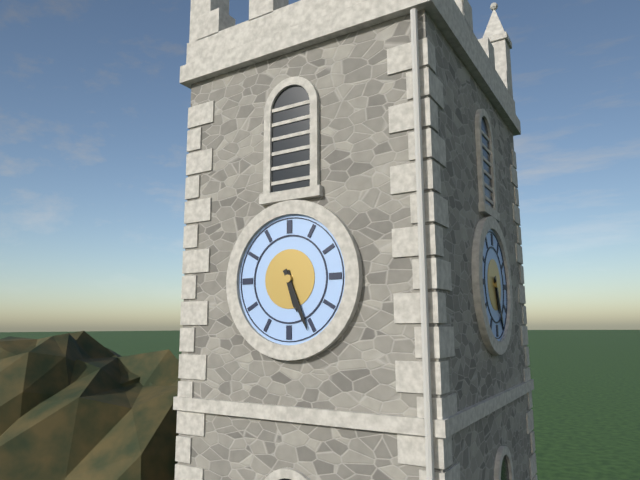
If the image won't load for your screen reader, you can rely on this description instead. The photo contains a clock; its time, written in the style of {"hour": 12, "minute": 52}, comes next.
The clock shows {"hour": 5, "minute": 26}
